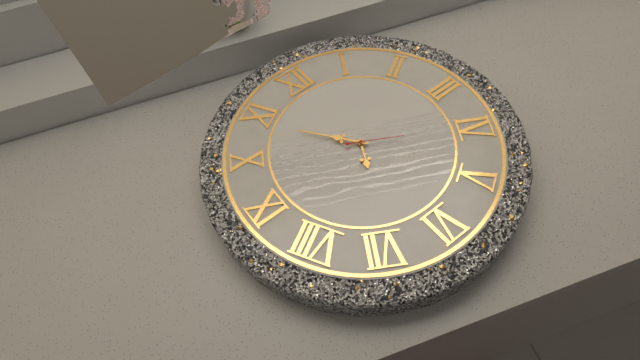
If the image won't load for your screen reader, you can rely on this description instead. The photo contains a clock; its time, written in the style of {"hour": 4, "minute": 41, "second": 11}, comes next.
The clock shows {"hour": 6, "minute": 54, "second": 20}
